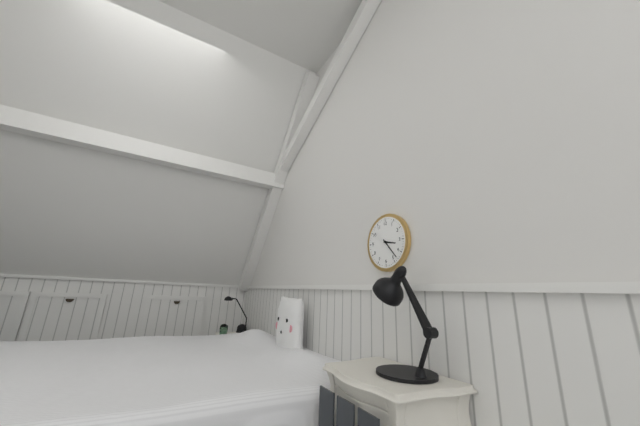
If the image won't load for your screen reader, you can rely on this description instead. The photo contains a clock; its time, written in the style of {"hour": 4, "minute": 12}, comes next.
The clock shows {"hour": 3, "minute": 23}
